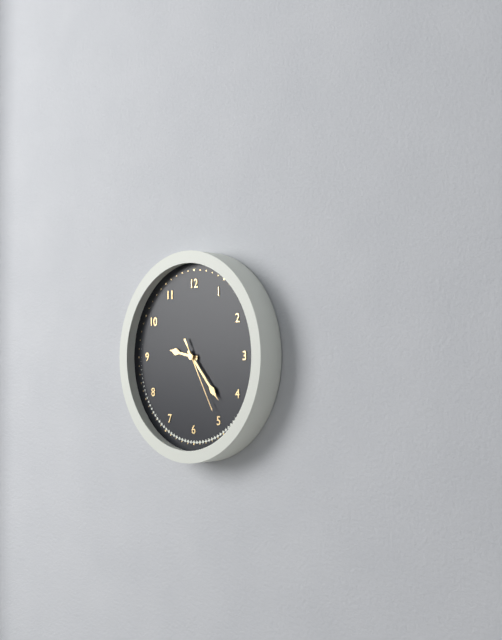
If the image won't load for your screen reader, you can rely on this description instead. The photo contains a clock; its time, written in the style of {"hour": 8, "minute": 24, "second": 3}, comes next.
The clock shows {"hour": 9, "minute": 23, "second": 25}
